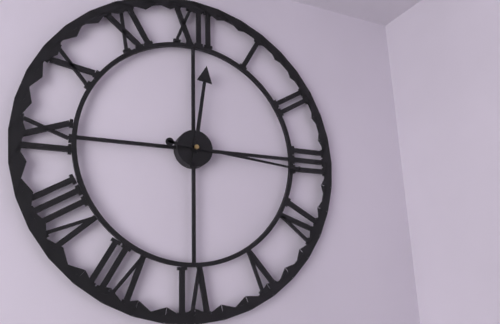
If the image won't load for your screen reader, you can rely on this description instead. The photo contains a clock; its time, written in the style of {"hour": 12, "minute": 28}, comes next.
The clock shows {"hour": 12, "minute": 16}
